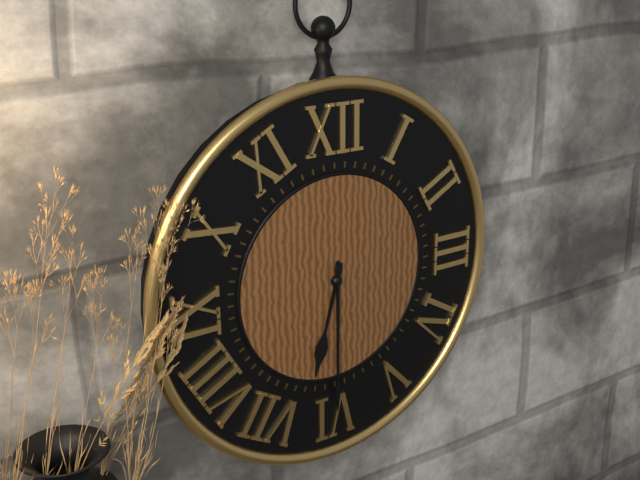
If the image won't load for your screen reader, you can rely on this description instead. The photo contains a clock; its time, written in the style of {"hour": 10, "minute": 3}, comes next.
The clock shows {"hour": 6, "minute": 30}
